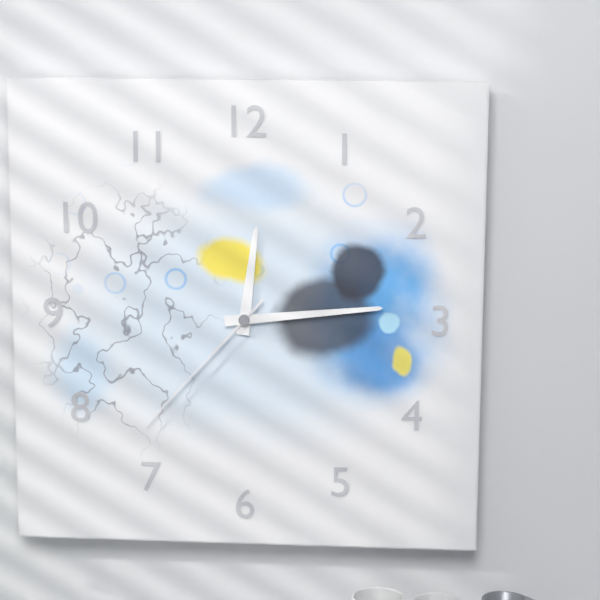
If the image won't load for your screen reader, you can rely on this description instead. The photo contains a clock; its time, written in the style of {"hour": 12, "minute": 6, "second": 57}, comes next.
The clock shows {"hour": 12, "minute": 14, "second": 37}
